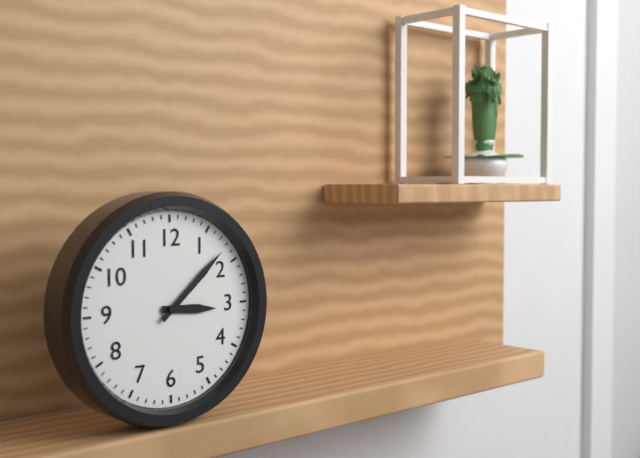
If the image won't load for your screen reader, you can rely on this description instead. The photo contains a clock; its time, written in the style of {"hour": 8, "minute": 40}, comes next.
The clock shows {"hour": 3, "minute": 8}
